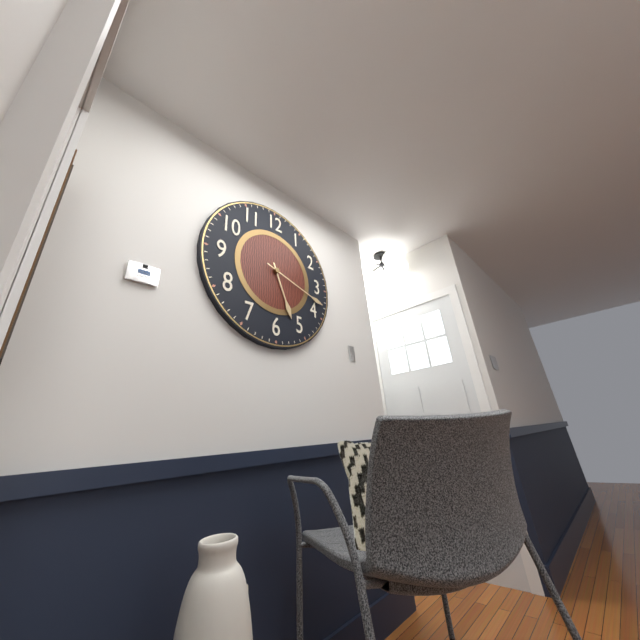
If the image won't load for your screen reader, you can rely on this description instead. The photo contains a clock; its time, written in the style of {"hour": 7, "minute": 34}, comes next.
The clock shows {"hour": 5, "minute": 18}
